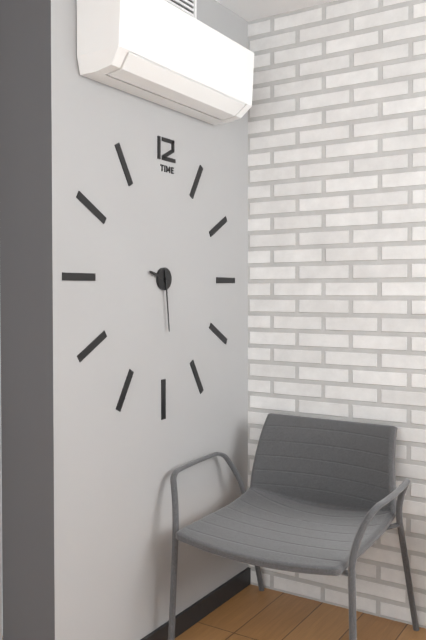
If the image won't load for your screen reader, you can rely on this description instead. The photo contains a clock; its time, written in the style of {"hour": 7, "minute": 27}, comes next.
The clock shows {"hour": 9, "minute": 29}
